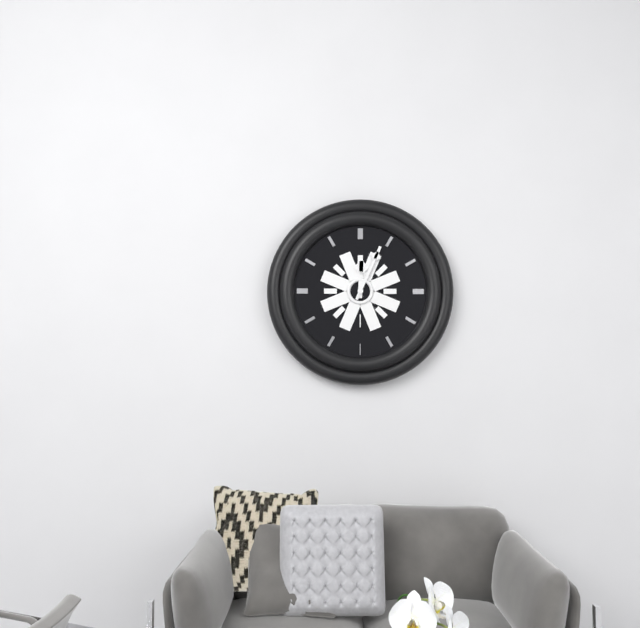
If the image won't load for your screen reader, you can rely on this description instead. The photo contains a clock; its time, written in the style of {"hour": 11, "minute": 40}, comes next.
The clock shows {"hour": 12, "minute": 4}
